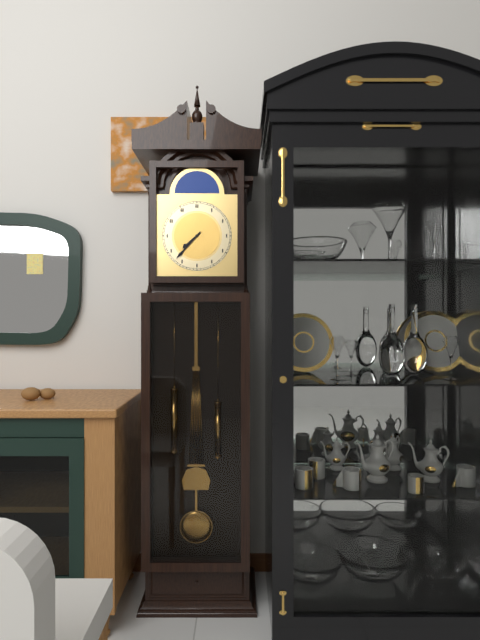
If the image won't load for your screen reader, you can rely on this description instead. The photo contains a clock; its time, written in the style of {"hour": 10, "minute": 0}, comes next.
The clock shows {"hour": 7, "minute": 37}
